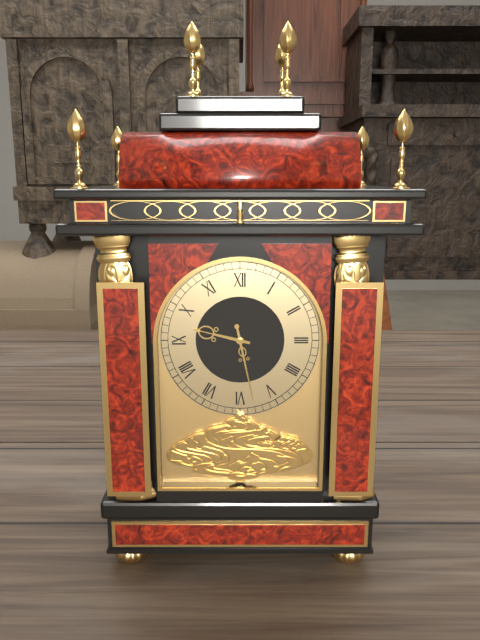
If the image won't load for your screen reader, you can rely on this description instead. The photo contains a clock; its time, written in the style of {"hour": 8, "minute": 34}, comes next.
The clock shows {"hour": 9, "minute": 28}
